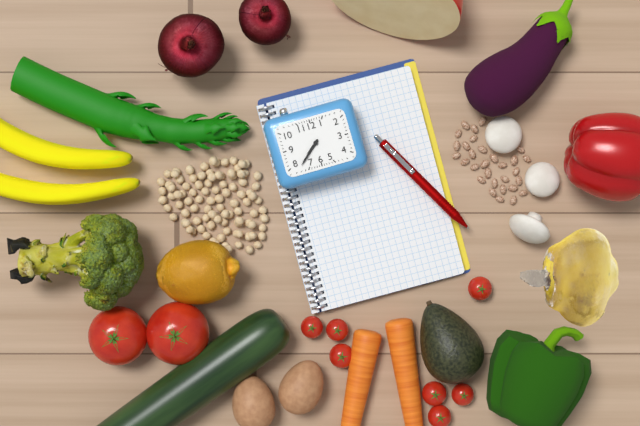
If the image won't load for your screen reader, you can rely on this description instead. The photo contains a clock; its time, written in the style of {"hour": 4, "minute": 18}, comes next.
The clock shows {"hour": 7, "minute": 38}
